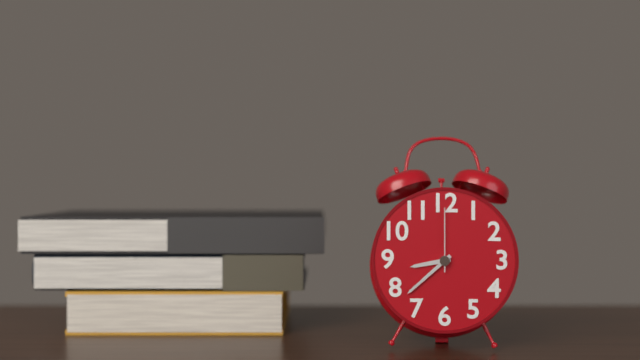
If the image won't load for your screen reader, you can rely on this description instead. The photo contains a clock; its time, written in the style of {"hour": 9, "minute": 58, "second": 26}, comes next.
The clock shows {"hour": 8, "minute": 38, "second": 0}
